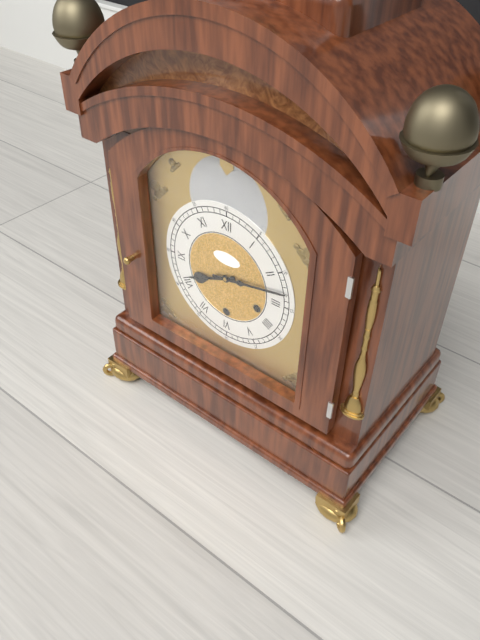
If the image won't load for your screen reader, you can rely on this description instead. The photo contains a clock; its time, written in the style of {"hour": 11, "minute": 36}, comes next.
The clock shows {"hour": 8, "minute": 13}
